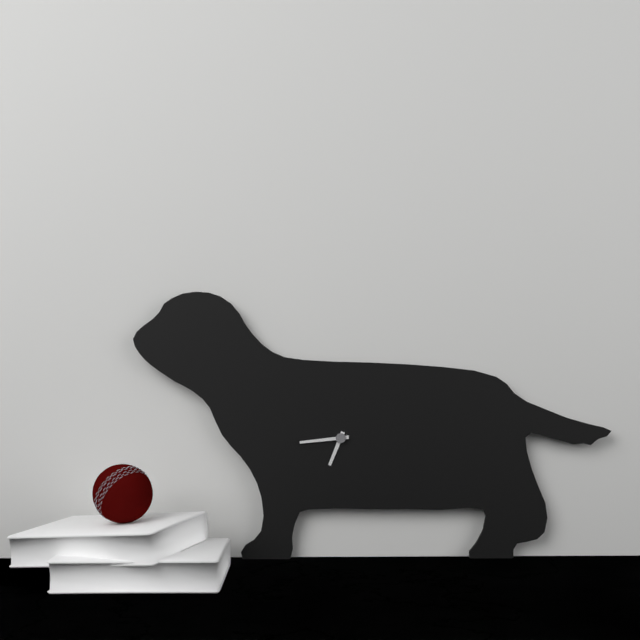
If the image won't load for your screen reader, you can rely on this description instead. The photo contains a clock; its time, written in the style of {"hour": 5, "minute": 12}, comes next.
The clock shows {"hour": 6, "minute": 44}
